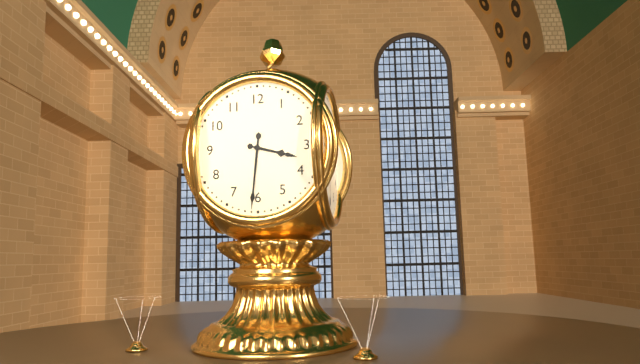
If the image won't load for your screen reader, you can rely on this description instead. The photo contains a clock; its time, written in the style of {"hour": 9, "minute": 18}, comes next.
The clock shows {"hour": 3, "minute": 31}
